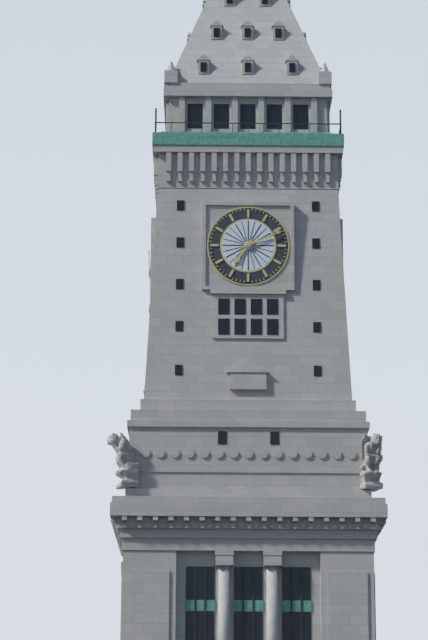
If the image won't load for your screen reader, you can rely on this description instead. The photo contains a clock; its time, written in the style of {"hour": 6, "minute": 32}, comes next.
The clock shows {"hour": 7, "minute": 11}
